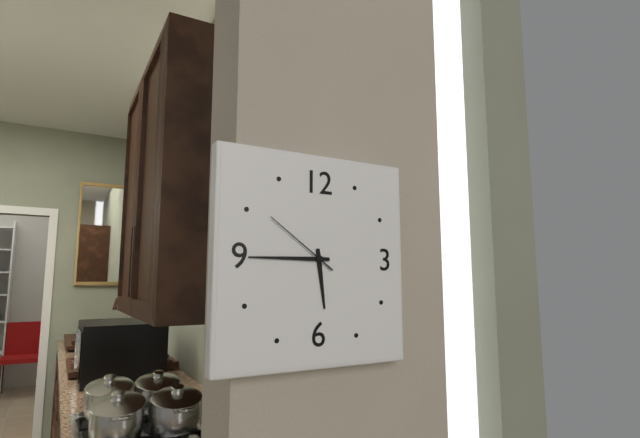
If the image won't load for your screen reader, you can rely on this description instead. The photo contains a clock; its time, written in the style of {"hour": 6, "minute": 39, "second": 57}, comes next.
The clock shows {"hour": 5, "minute": 45, "second": 51}
